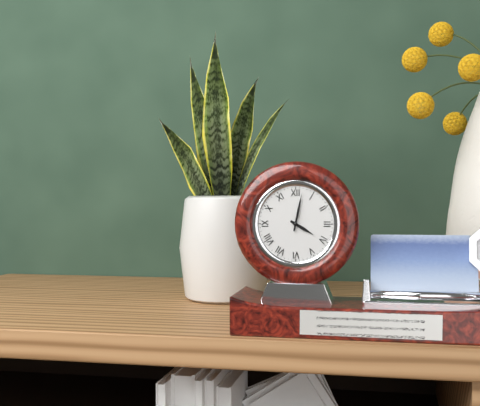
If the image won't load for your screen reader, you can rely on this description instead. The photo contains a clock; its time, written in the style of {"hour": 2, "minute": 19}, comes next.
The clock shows {"hour": 4, "minute": 2}
